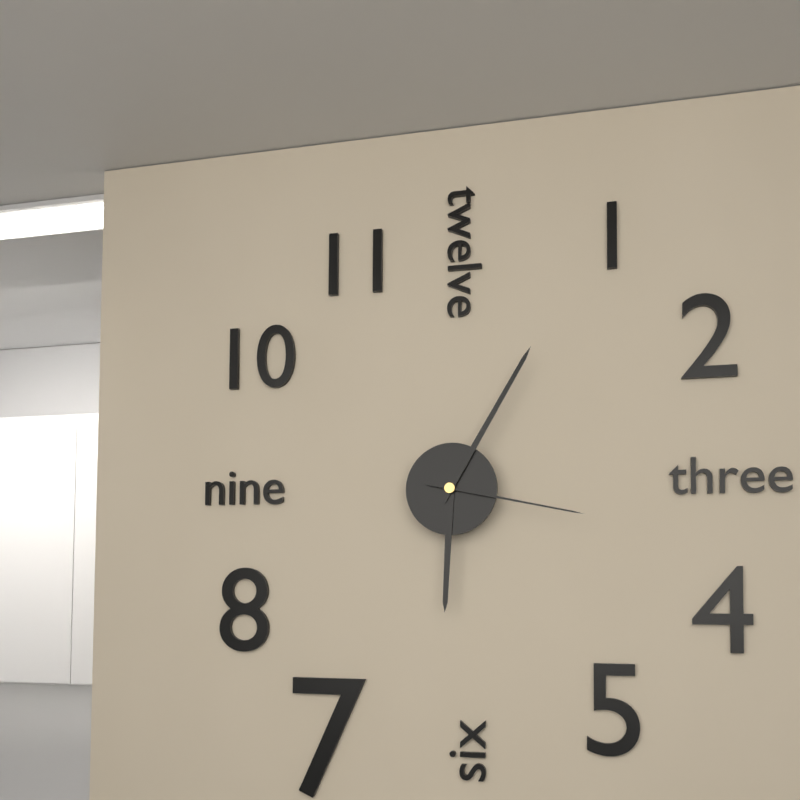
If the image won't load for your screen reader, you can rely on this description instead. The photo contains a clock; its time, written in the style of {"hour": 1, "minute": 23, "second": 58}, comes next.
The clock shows {"hour": 6, "minute": 5, "second": 17}
